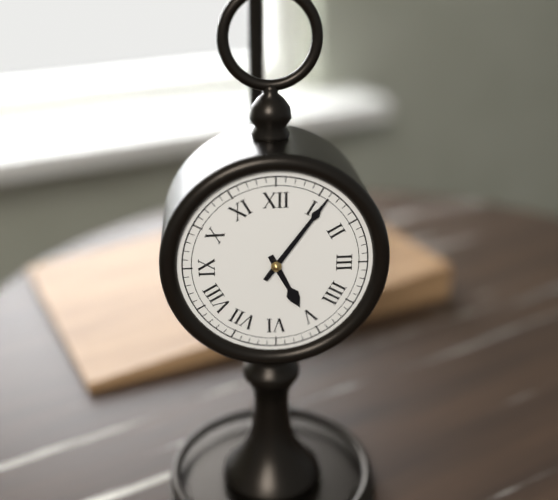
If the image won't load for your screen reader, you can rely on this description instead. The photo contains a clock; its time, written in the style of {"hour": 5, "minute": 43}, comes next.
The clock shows {"hour": 5, "minute": 6}
